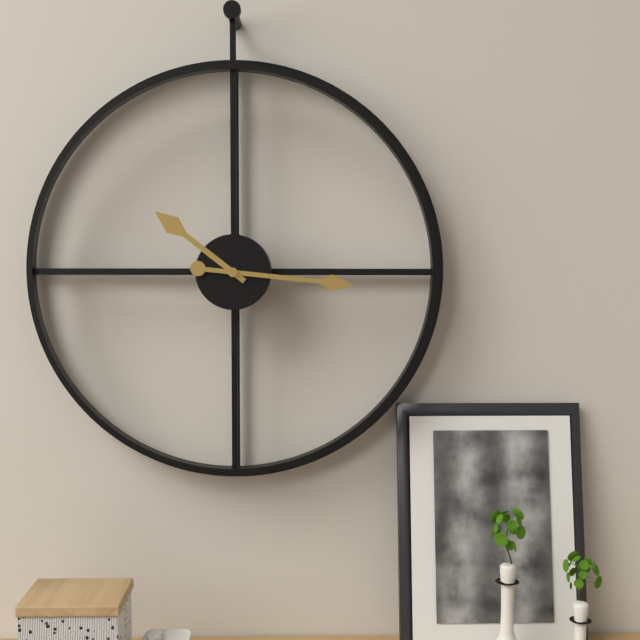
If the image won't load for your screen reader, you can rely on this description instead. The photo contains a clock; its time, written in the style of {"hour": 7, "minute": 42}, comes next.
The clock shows {"hour": 10, "minute": 16}
